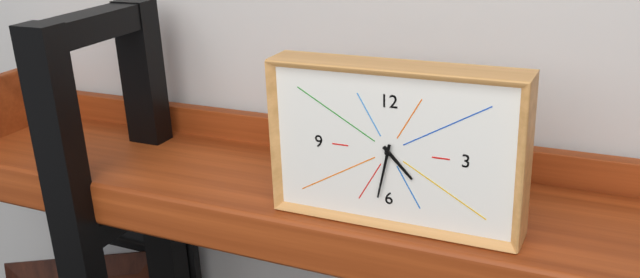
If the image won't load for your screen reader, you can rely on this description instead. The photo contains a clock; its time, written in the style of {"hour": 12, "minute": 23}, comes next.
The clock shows {"hour": 4, "minute": 32}
